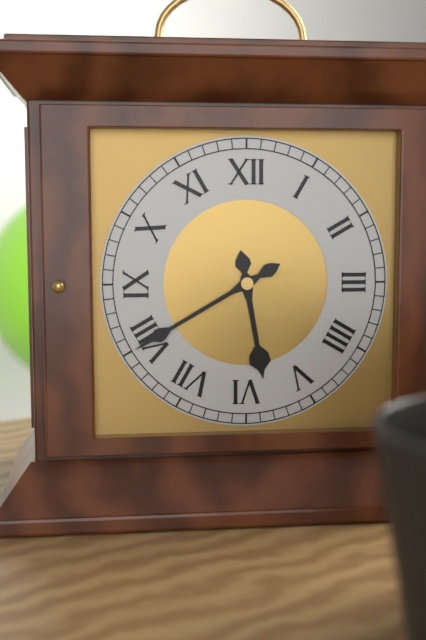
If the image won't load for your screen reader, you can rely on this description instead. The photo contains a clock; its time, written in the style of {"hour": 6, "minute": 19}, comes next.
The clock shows {"hour": 5, "minute": 40}
